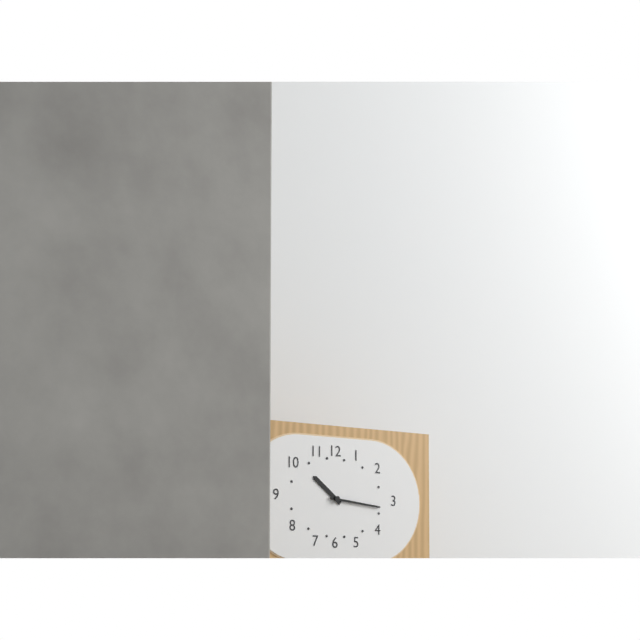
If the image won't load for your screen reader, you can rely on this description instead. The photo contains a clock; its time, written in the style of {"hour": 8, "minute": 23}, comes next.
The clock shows {"hour": 10, "minute": 16}
